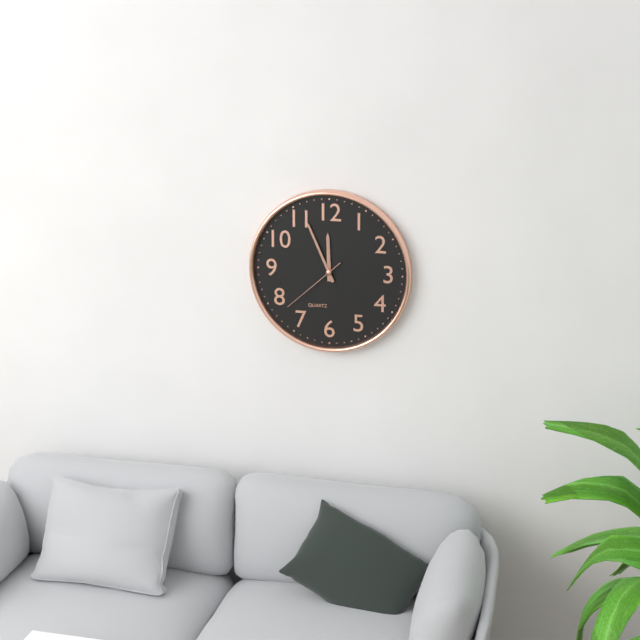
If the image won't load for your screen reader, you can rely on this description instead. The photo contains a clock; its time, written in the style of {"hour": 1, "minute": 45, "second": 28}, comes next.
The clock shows {"hour": 11, "minute": 56, "second": 38}
